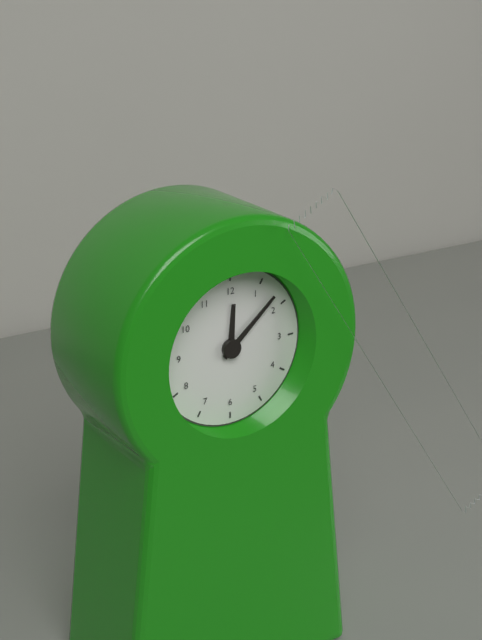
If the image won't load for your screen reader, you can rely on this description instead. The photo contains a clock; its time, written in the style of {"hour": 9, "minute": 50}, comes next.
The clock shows {"hour": 12, "minute": 8}
